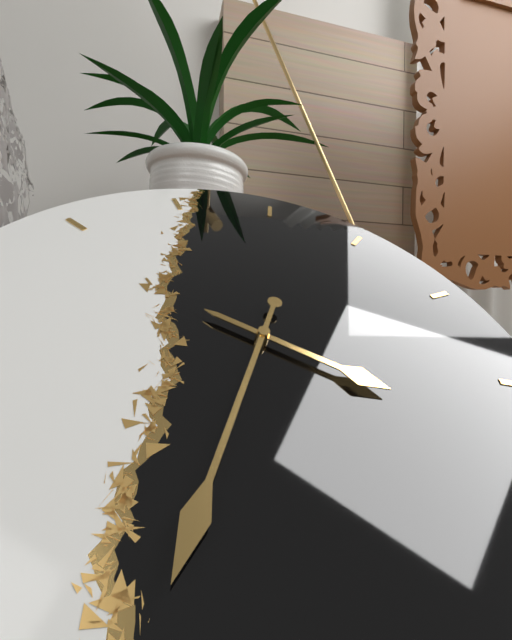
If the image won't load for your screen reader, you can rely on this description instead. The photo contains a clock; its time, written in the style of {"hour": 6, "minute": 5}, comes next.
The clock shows {"hour": 4, "minute": 37}
